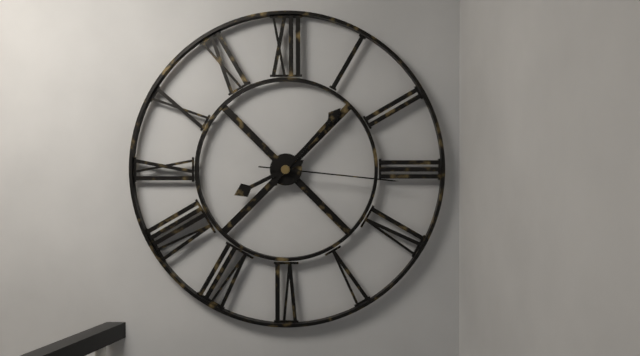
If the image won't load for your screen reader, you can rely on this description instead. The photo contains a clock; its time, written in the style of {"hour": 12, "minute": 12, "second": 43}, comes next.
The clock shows {"hour": 8, "minute": 7, "second": 16}
